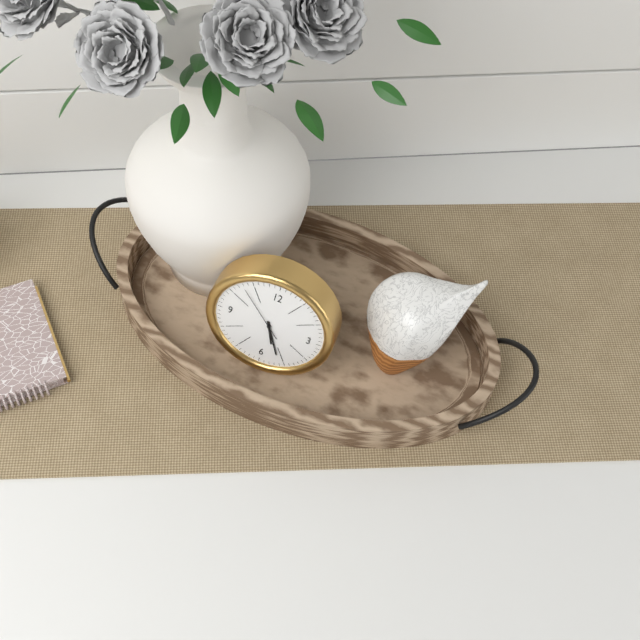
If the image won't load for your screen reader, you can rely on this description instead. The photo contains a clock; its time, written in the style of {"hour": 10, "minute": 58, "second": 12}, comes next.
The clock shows {"hour": 5, "minute": 26, "second": 53}
